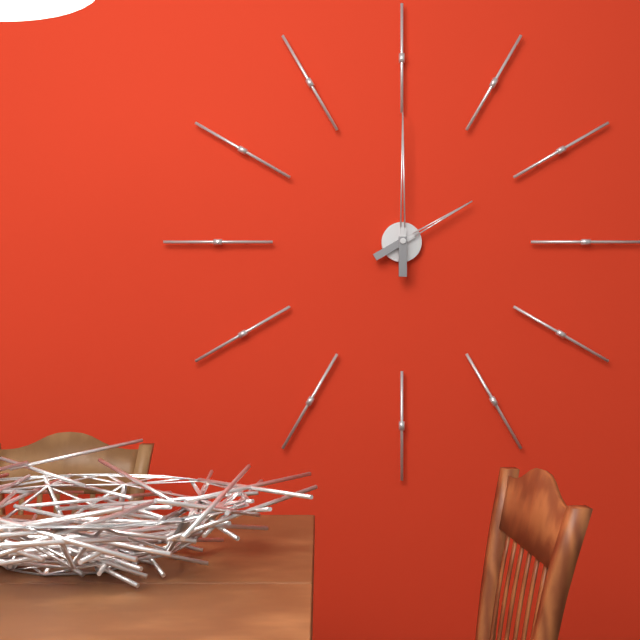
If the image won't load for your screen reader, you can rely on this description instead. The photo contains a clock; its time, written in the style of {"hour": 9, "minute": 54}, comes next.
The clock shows {"hour": 2, "minute": 0}
